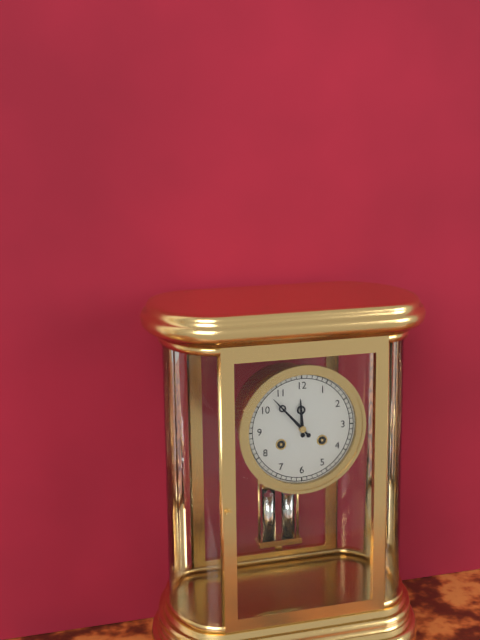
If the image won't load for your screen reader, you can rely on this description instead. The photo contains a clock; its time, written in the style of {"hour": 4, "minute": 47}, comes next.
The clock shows {"hour": 11, "minute": 53}
